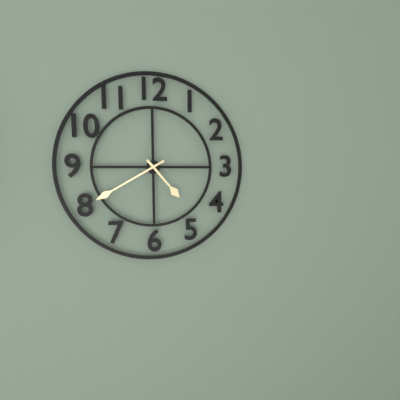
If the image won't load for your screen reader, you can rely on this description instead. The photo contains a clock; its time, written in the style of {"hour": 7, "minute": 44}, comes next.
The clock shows {"hour": 4, "minute": 40}
